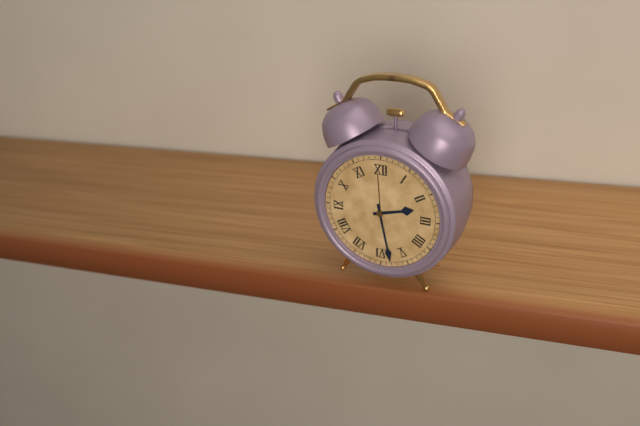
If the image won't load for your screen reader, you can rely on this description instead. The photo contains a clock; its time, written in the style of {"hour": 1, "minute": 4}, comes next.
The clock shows {"hour": 2, "minute": 28}
